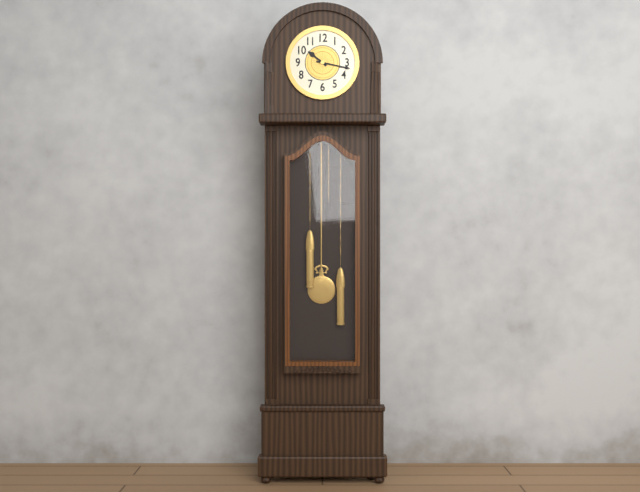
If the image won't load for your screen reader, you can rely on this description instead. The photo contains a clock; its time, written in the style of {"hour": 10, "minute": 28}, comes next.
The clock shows {"hour": 10, "minute": 17}
